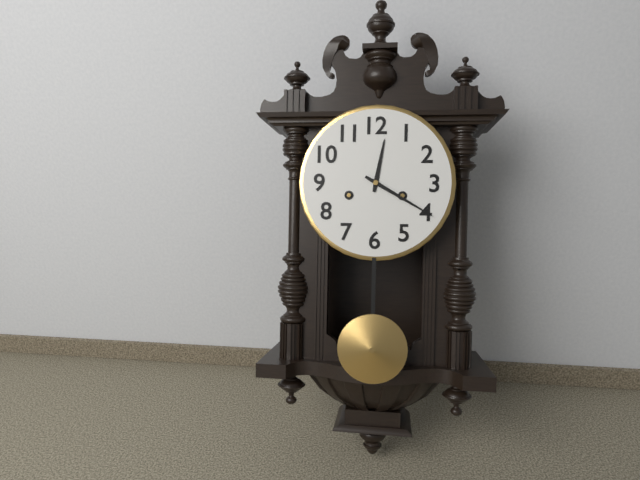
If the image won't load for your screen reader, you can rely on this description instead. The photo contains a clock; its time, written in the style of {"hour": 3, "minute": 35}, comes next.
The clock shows {"hour": 12, "minute": 20}
